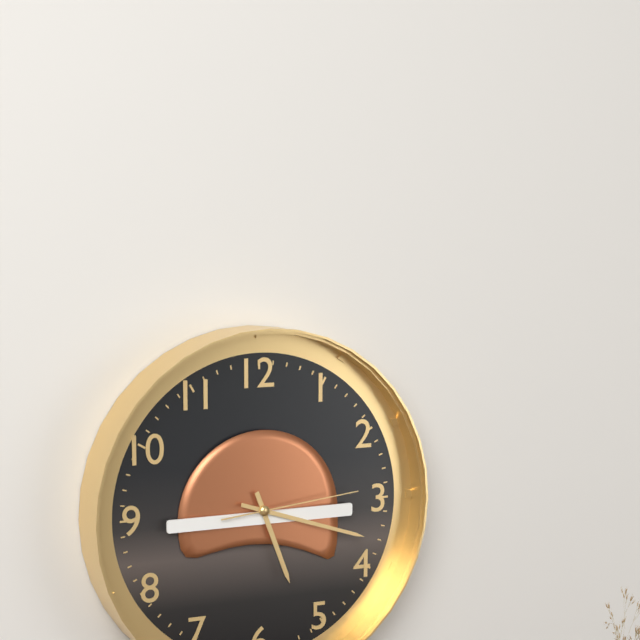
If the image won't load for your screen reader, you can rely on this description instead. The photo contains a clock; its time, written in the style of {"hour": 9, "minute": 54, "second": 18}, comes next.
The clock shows {"hour": 5, "minute": 18, "second": 14}
